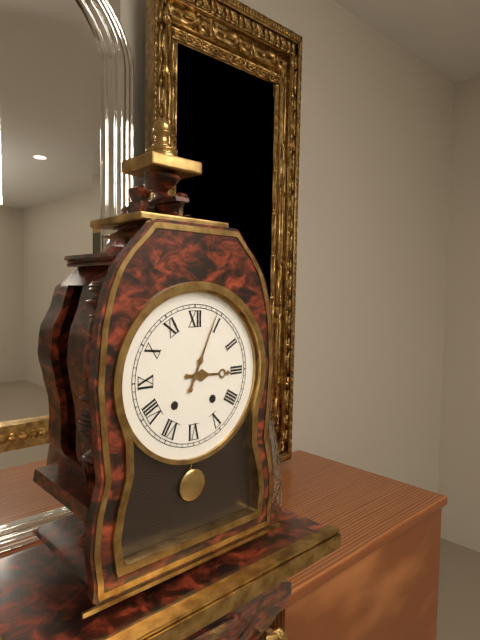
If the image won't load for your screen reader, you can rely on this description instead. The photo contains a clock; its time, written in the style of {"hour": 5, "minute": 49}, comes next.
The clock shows {"hour": 3, "minute": 4}
